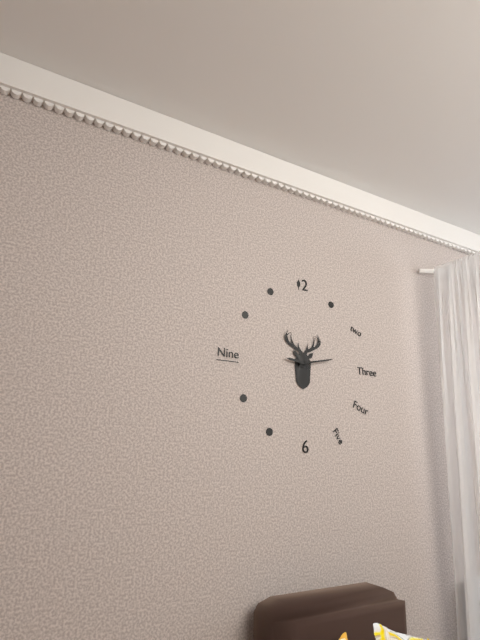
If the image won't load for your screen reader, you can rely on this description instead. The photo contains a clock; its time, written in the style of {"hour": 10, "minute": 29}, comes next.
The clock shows {"hour": 9, "minute": 13}
